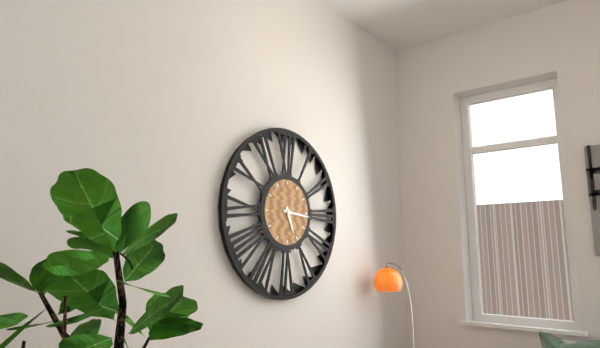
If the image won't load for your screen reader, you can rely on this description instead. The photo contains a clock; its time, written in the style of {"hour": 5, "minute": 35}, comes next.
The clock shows {"hour": 5, "minute": 16}
